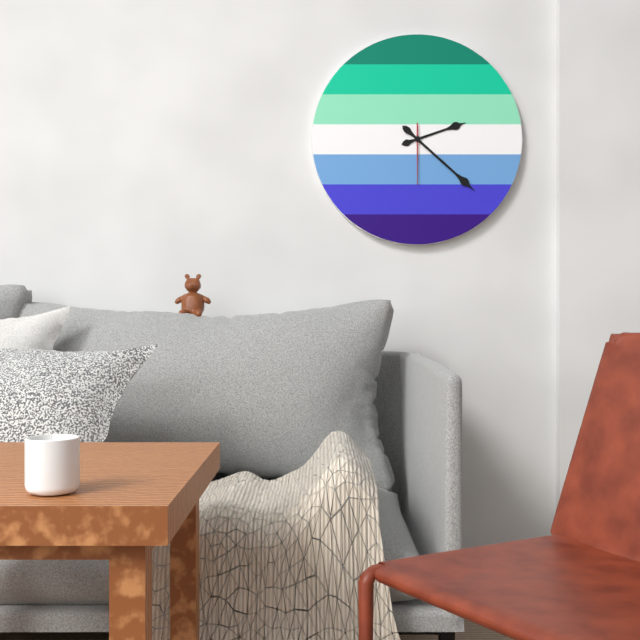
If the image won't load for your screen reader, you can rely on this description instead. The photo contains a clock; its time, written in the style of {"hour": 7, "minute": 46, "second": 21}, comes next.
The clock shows {"hour": 2, "minute": 22, "second": 30}
